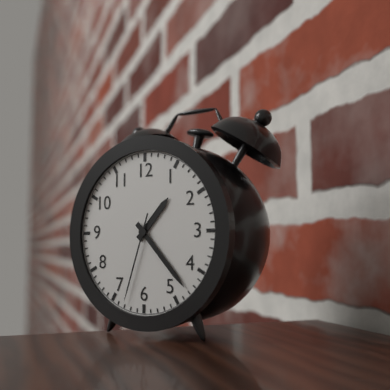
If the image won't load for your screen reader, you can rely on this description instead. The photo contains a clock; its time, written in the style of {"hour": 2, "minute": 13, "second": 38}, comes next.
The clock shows {"hour": 1, "minute": 23, "second": 33}
